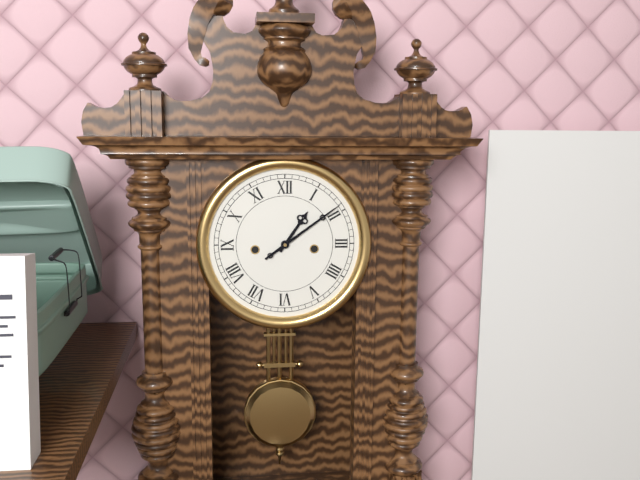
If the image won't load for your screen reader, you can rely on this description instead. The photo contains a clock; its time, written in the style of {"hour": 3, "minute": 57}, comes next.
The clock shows {"hour": 1, "minute": 9}
